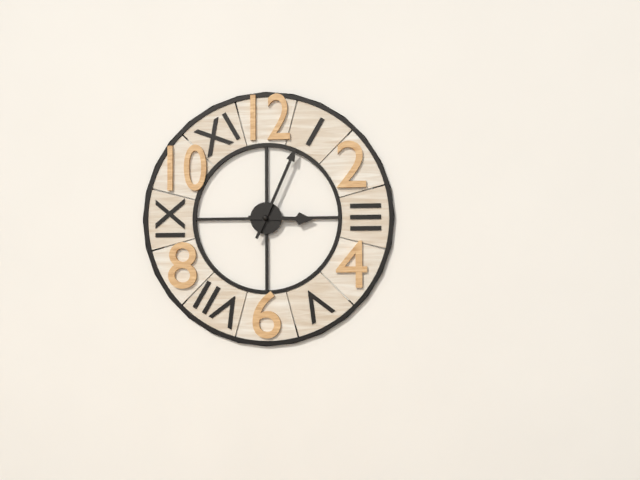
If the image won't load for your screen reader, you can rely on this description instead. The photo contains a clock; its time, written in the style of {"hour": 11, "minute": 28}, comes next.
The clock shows {"hour": 3, "minute": 4}
